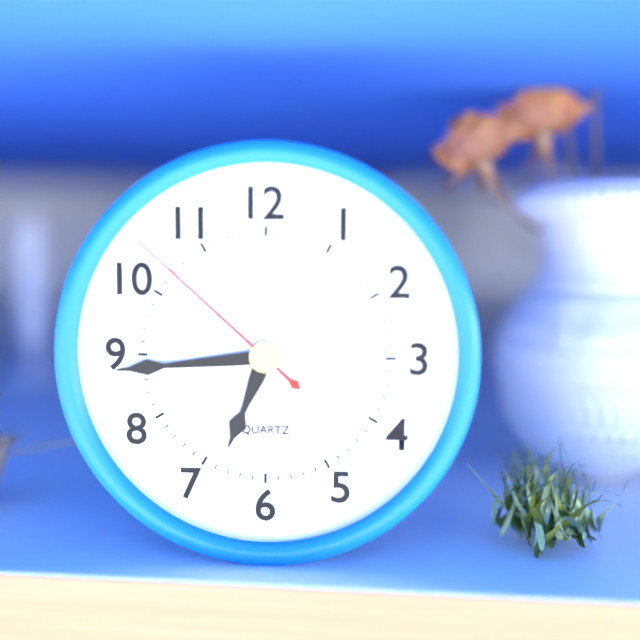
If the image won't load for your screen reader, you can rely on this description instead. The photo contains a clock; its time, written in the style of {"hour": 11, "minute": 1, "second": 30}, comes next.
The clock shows {"hour": 6, "minute": 44, "second": 52}
